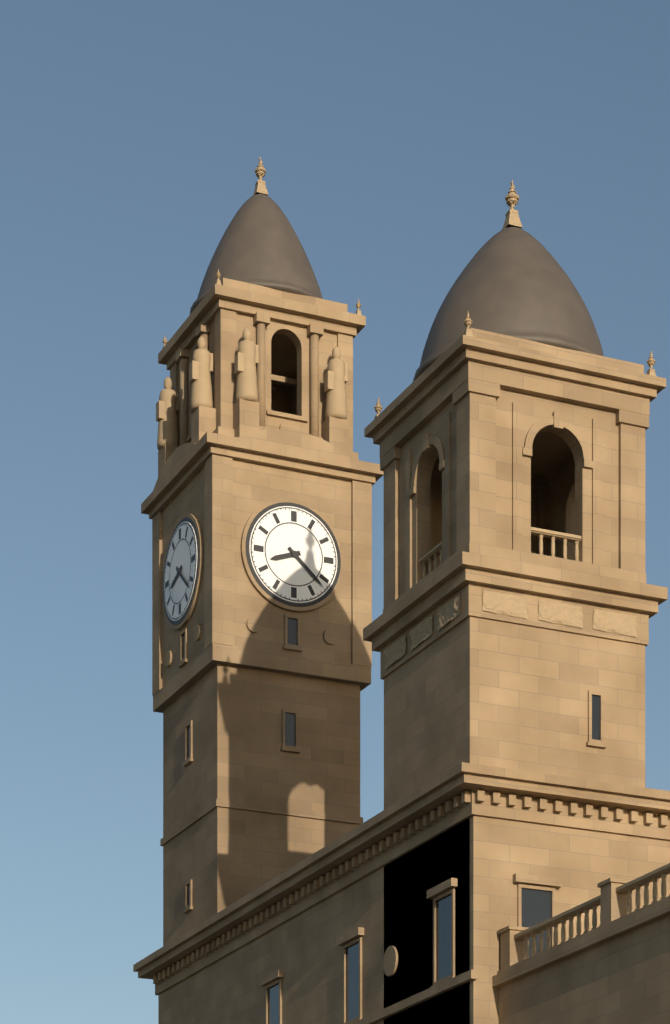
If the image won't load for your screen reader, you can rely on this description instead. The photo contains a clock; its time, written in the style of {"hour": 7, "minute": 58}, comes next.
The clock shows {"hour": 8, "minute": 22}
